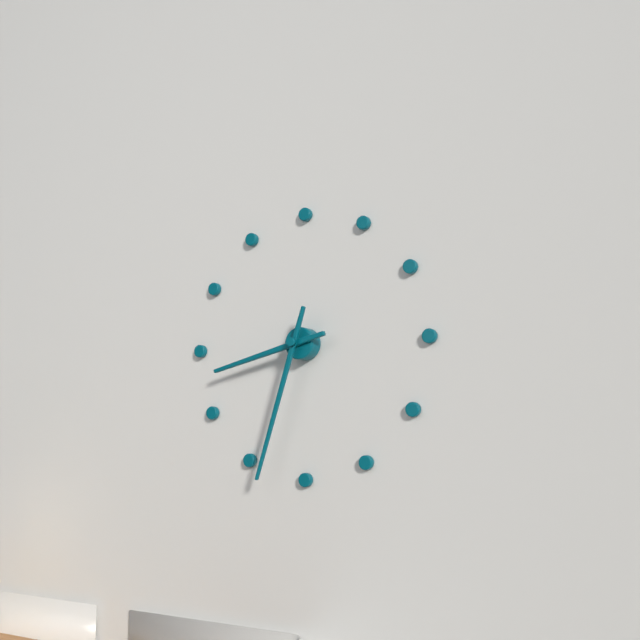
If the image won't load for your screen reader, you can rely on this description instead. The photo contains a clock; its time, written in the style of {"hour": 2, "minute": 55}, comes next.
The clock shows {"hour": 8, "minute": 33}
